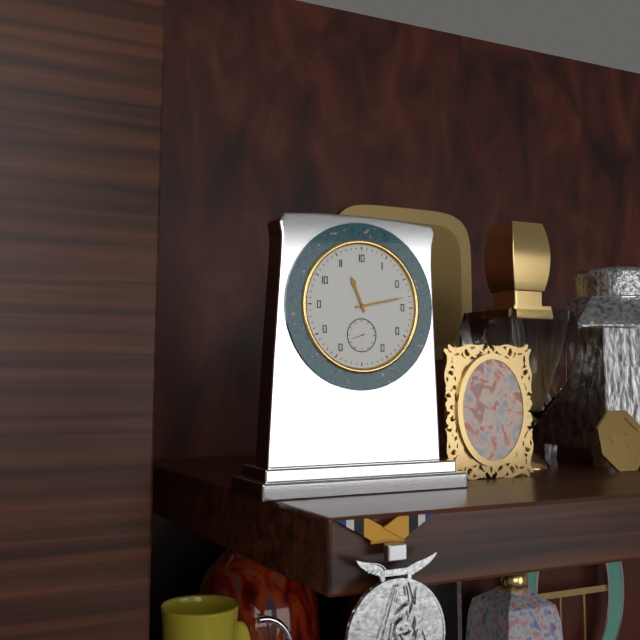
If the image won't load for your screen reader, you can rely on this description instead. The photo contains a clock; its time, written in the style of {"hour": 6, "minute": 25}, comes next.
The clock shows {"hour": 11, "minute": 13}
